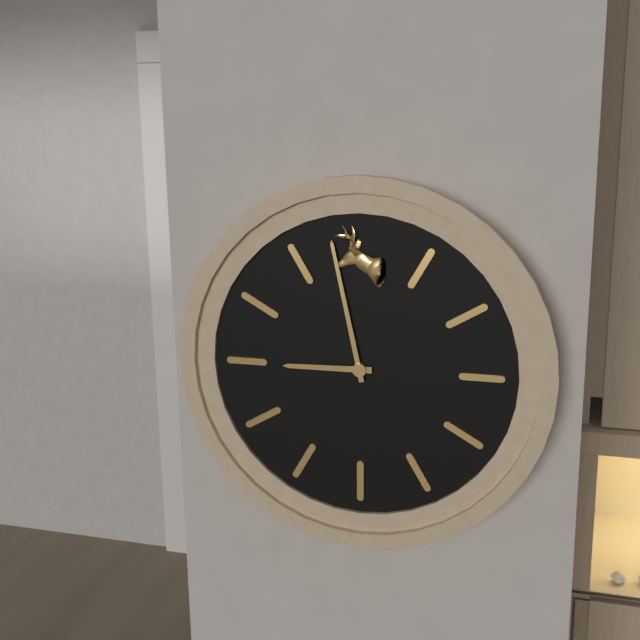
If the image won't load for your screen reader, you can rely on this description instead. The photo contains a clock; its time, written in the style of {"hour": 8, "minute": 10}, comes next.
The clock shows {"hour": 8, "minute": 58}
